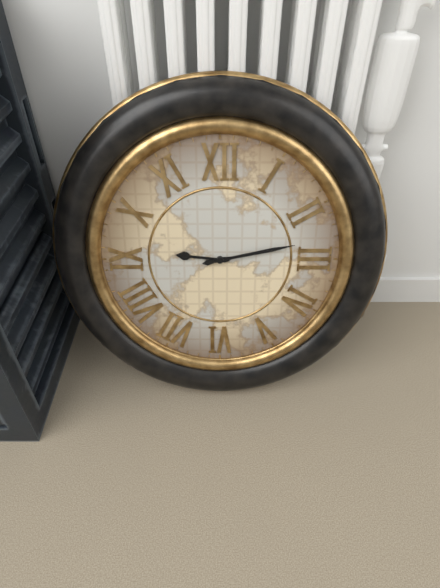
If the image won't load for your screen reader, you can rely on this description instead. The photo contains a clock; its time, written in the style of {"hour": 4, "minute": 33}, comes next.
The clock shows {"hour": 9, "minute": 13}
